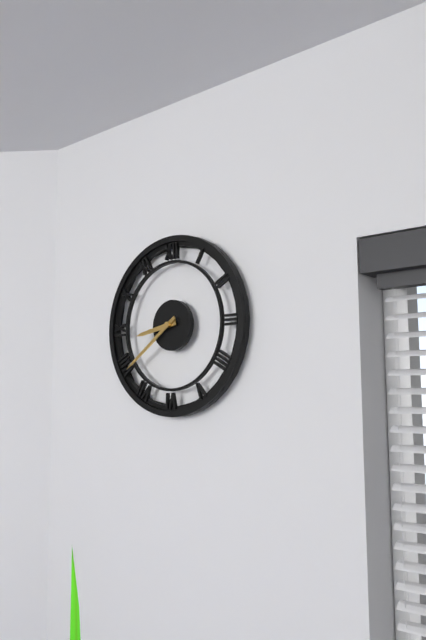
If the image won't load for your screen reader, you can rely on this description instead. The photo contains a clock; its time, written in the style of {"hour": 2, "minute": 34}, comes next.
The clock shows {"hour": 8, "minute": 39}
